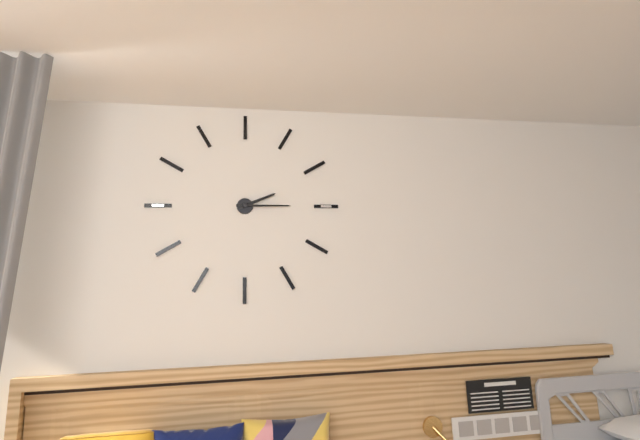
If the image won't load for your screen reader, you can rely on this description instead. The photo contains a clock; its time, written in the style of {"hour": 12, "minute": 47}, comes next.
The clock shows {"hour": 2, "minute": 15}
